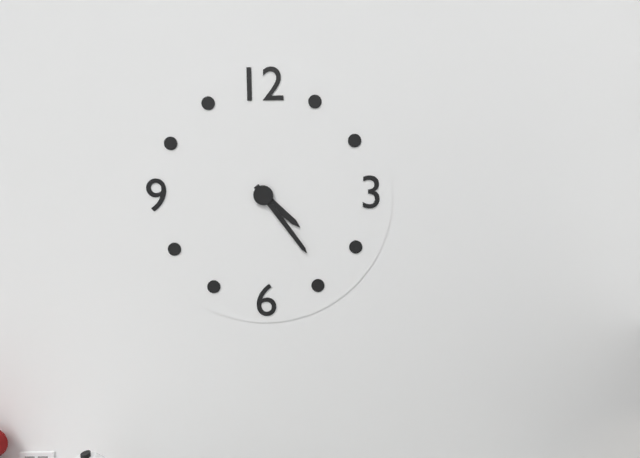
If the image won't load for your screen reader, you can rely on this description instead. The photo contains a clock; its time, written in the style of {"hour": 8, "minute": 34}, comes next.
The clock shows {"hour": 4, "minute": 24}
